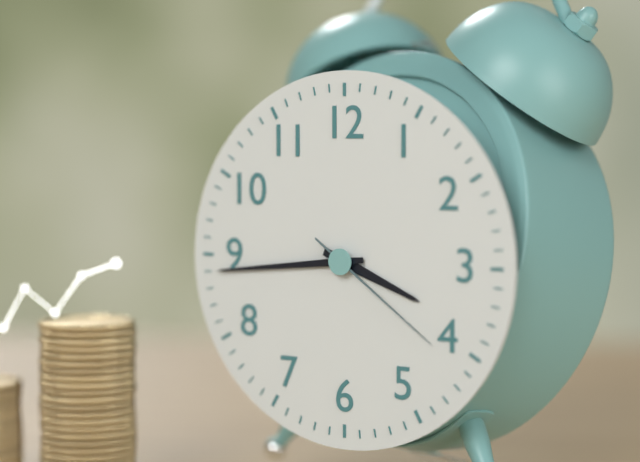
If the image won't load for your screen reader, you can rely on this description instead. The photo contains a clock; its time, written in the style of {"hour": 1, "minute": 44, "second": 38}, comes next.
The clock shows {"hour": 3, "minute": 44, "second": 21}
